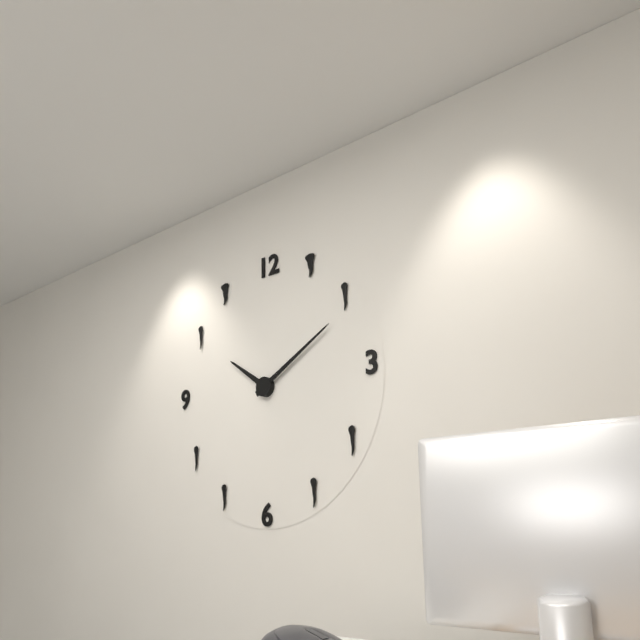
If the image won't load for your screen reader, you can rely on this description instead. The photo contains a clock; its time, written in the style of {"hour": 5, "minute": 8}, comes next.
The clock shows {"hour": 10, "minute": 10}
